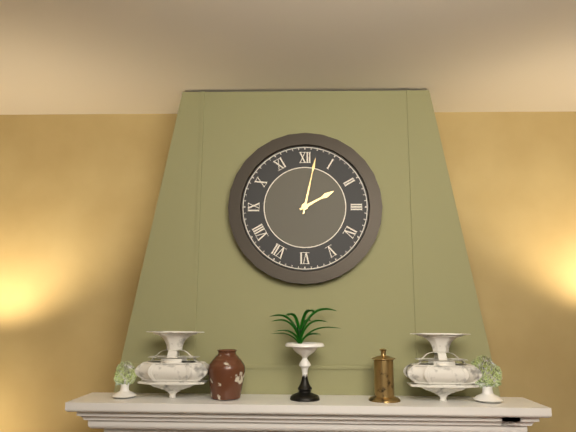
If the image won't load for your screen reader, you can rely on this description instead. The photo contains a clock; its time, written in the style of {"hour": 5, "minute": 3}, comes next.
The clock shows {"hour": 2, "minute": 2}
